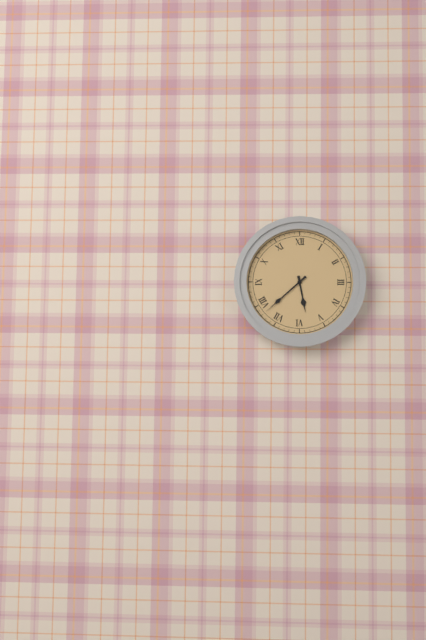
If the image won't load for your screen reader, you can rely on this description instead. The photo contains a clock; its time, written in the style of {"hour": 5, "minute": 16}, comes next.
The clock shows {"hour": 5, "minute": 38}
